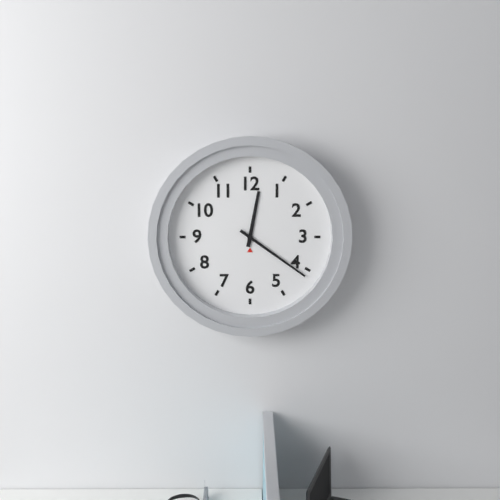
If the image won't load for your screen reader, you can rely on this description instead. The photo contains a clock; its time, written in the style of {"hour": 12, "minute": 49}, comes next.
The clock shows {"hour": 12, "minute": 21}
